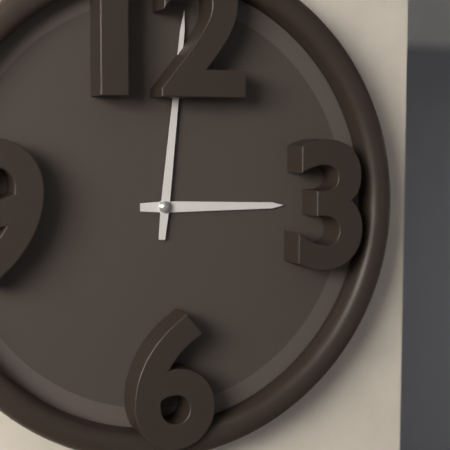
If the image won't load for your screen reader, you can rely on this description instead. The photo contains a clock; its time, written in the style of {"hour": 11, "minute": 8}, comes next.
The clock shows {"hour": 3, "minute": 1}
